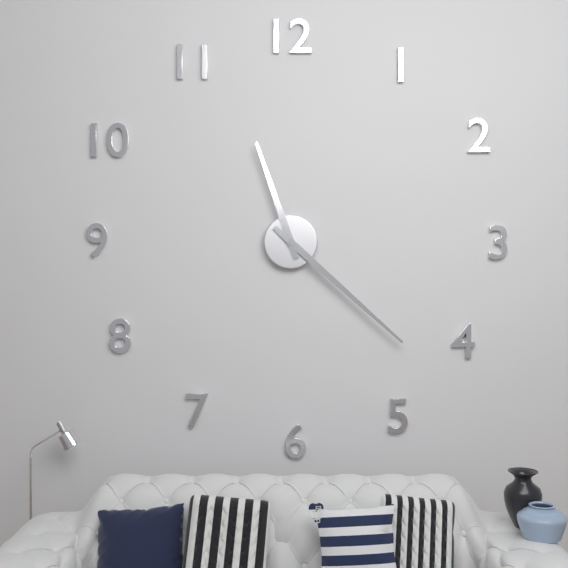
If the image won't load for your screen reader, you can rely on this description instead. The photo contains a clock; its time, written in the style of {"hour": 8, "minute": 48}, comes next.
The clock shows {"hour": 11, "minute": 22}
